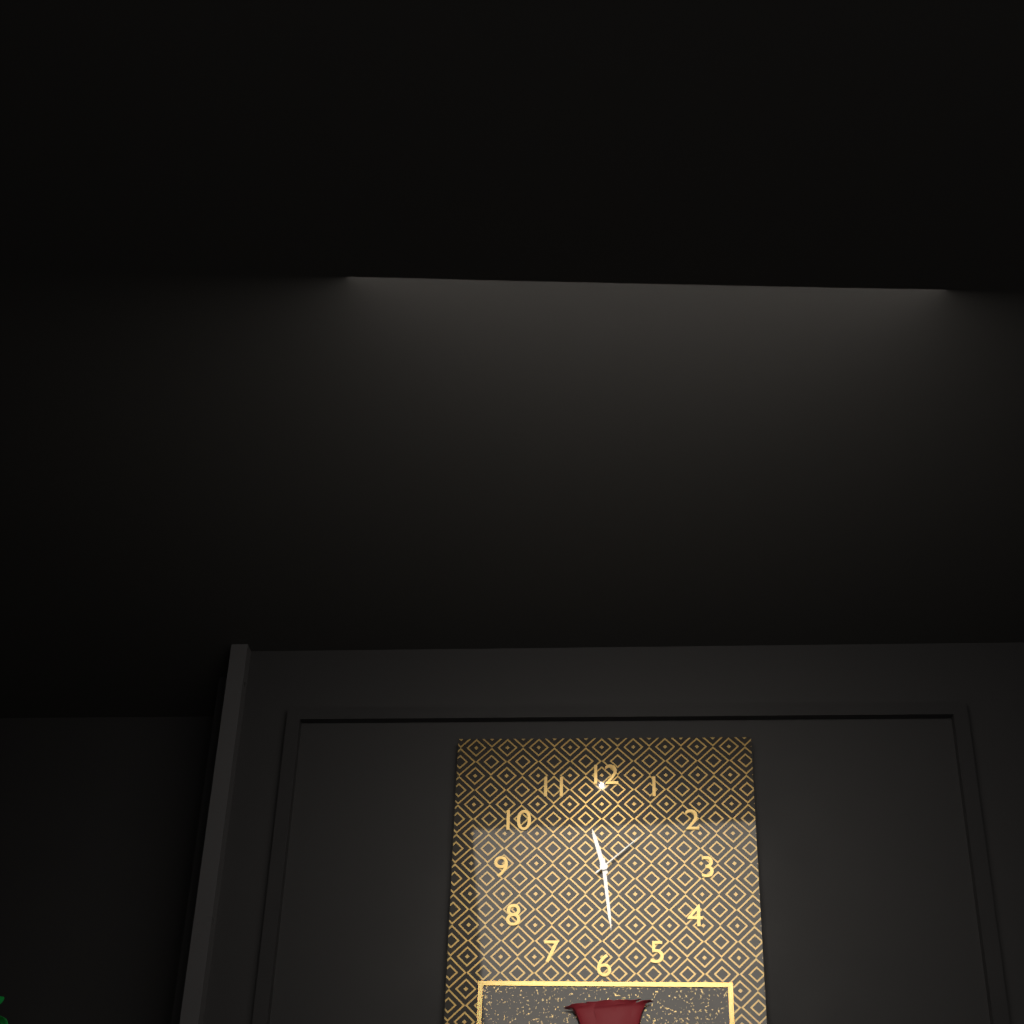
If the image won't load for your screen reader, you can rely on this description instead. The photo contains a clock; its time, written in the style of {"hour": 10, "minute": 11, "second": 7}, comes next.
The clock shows {"hour": 11, "minute": 29, "second": 8}
